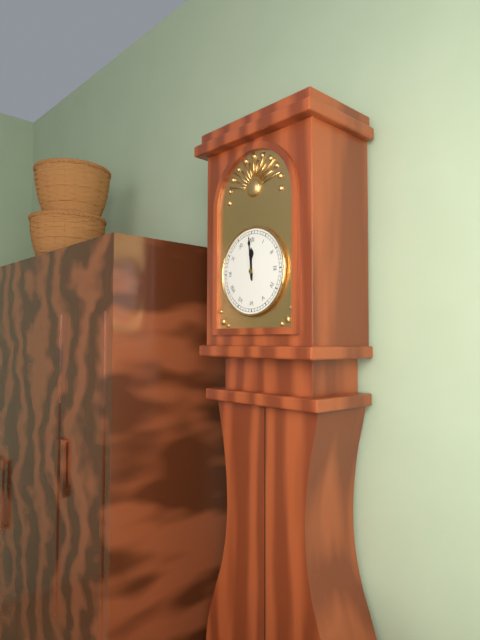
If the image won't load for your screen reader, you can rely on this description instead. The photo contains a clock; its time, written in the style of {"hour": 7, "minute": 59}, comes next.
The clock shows {"hour": 11, "minute": 59}
